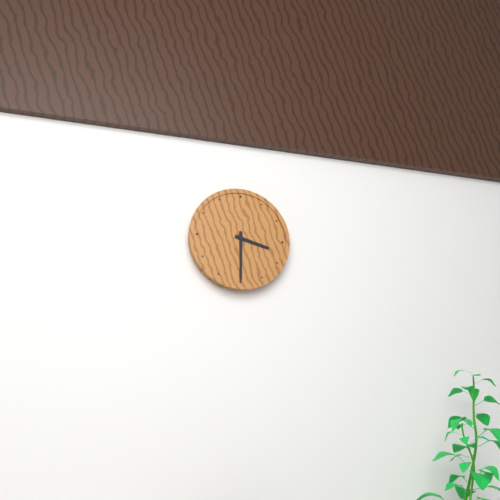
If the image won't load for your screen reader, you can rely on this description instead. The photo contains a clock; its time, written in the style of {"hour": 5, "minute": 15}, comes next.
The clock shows {"hour": 3, "minute": 30}
